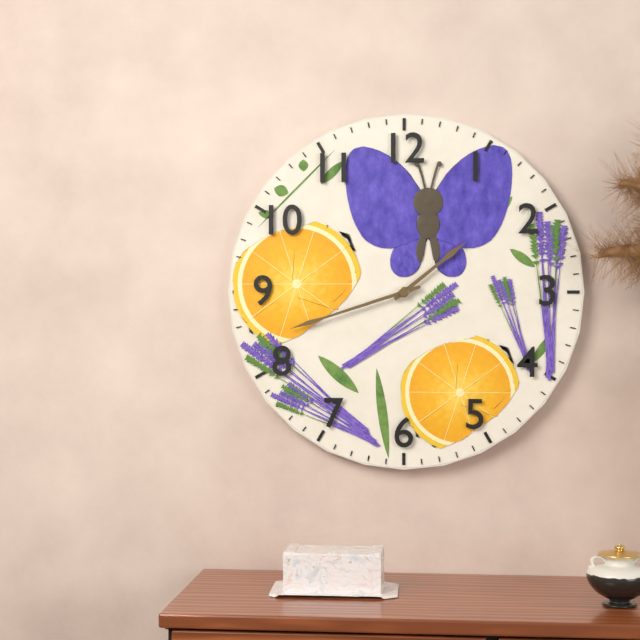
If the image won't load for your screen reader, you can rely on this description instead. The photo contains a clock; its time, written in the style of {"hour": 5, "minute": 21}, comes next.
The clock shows {"hour": 1, "minute": 42}
